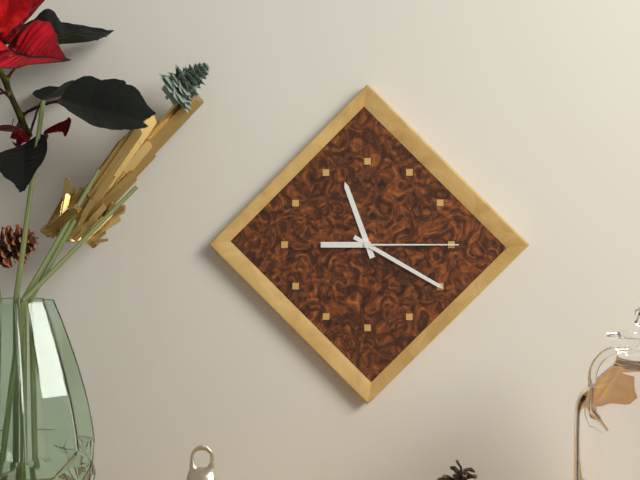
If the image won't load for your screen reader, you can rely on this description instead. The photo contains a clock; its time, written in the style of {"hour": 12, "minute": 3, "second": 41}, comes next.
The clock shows {"hour": 11, "minute": 20, "second": 15}
